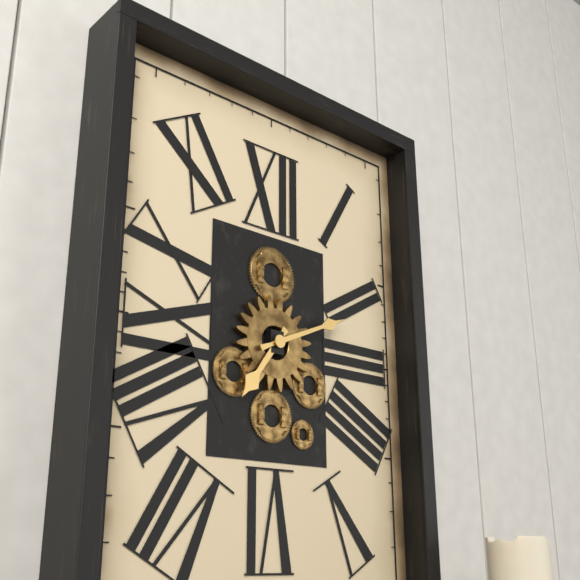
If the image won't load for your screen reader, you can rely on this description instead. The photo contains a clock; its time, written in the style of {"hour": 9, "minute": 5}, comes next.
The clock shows {"hour": 7, "minute": 11}
